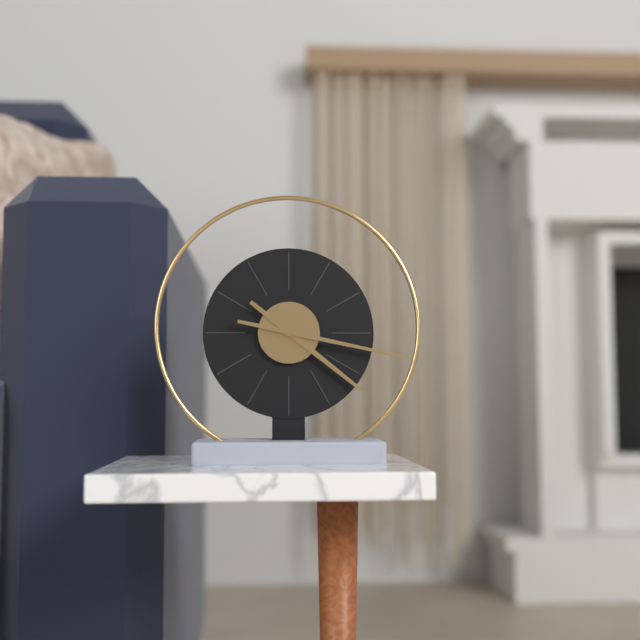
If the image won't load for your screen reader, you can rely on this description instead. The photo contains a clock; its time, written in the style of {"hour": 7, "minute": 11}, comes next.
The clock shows {"hour": 4, "minute": 17}
